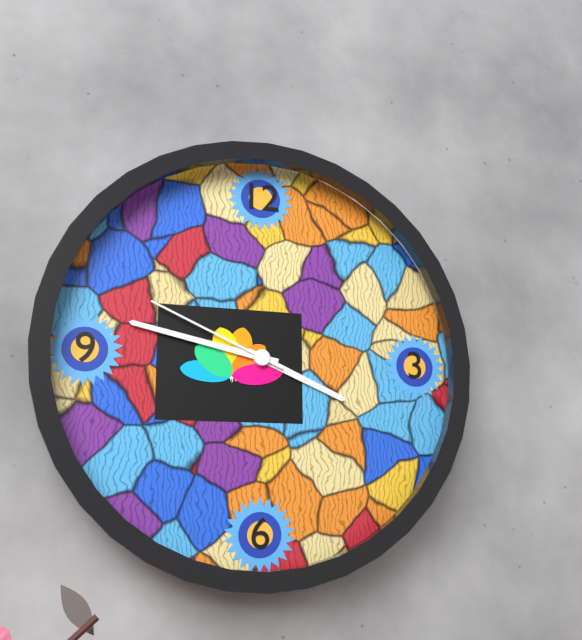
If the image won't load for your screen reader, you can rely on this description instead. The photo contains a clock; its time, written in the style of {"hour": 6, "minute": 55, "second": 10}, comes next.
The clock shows {"hour": 3, "minute": 47, "second": 49}
